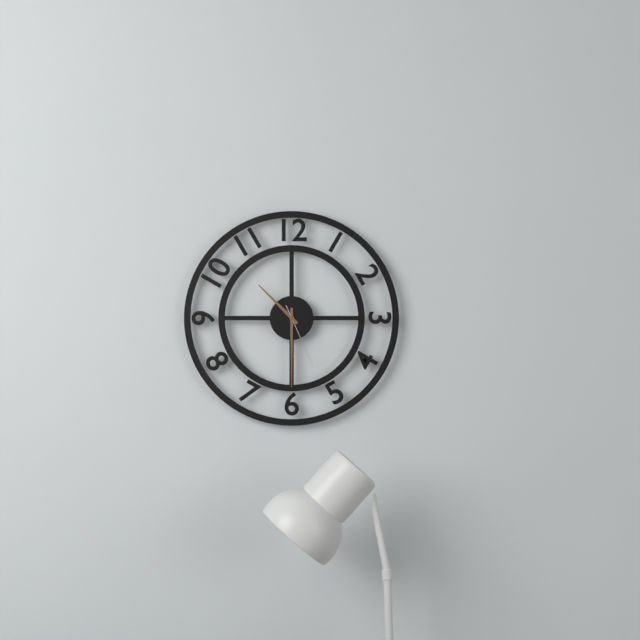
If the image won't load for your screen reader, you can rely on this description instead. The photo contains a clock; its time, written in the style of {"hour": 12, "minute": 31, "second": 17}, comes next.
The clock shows {"hour": 10, "minute": 30, "second": 26}
